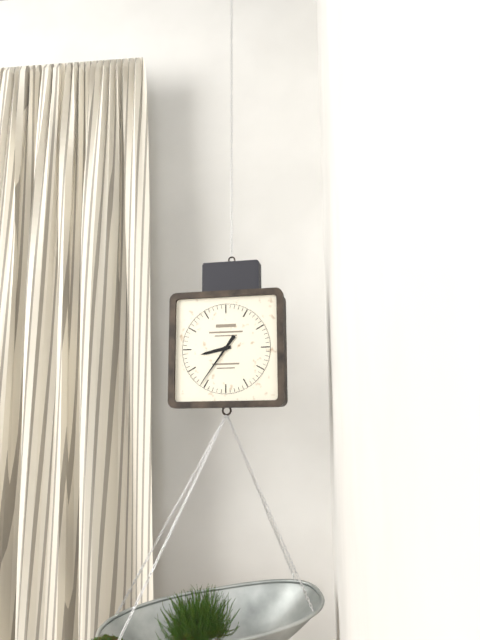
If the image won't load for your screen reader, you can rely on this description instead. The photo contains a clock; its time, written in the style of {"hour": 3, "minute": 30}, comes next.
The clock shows {"hour": 8, "minute": 36}
